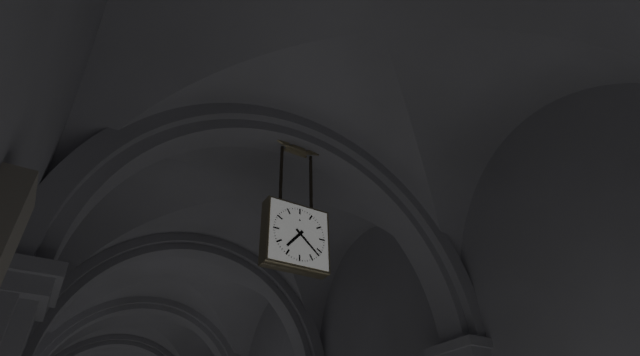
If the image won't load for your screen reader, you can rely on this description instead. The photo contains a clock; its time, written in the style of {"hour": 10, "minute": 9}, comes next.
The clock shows {"hour": 7, "minute": 22}
